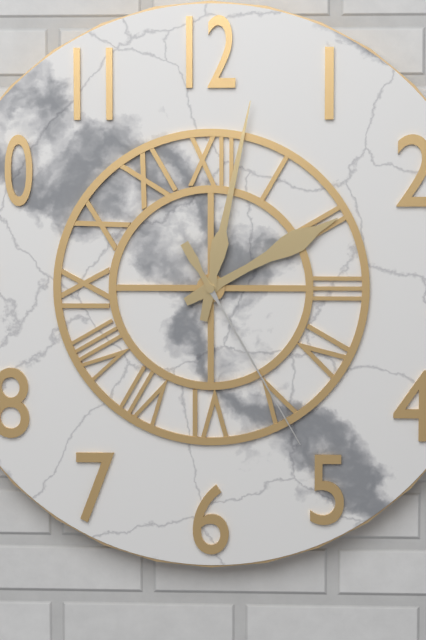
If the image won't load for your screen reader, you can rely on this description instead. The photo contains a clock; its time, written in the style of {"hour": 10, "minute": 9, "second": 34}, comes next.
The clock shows {"hour": 2, "minute": 2, "second": 25}
